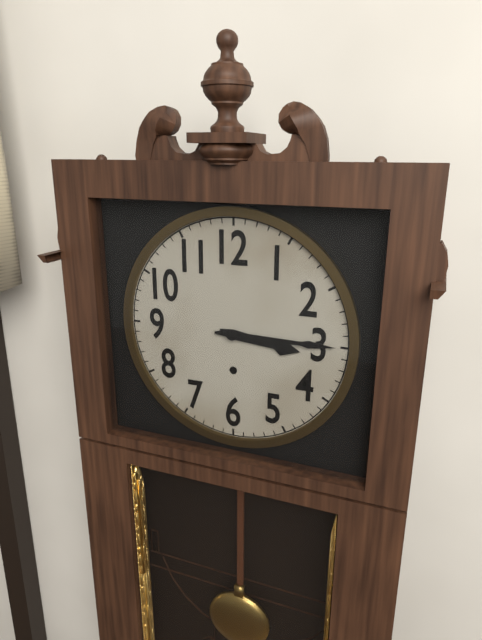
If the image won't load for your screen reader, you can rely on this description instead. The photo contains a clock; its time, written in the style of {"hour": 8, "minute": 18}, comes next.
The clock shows {"hour": 3, "minute": 15}
